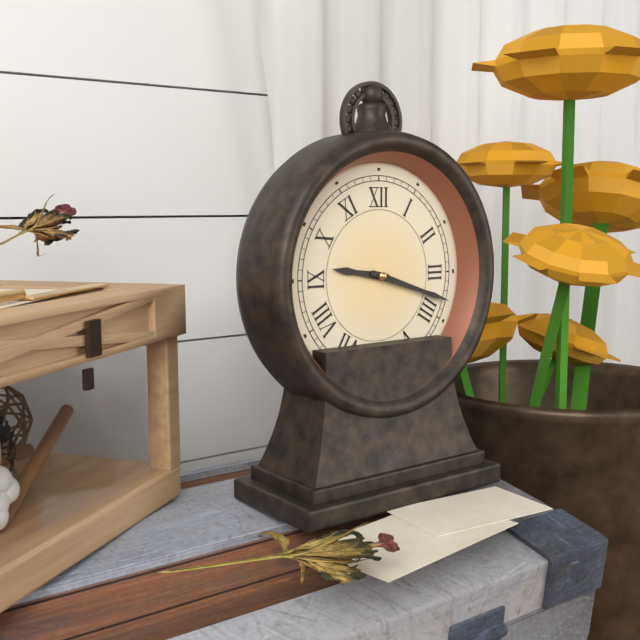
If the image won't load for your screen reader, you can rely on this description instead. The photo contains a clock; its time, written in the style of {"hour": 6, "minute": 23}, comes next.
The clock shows {"hour": 9, "minute": 18}
